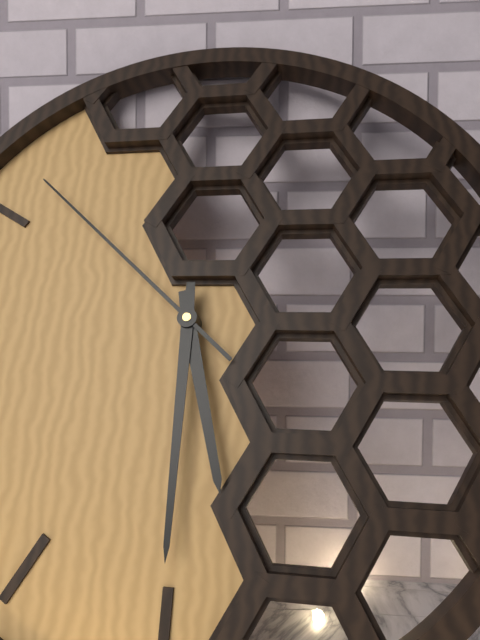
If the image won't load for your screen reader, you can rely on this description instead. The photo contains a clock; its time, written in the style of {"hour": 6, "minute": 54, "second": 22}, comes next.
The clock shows {"hour": 5, "minute": 30, "second": 52}
